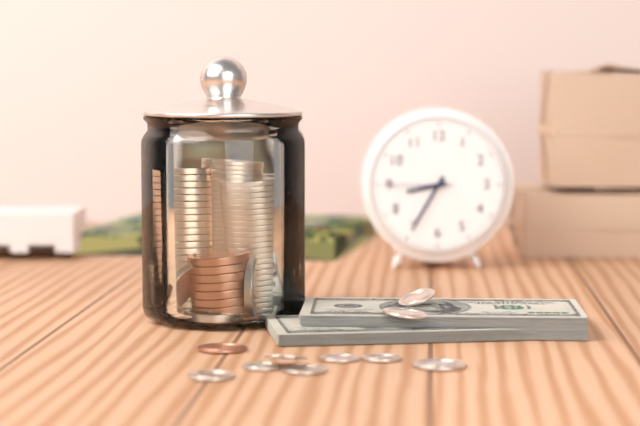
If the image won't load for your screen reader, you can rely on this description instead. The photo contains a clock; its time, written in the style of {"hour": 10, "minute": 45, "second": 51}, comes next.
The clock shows {"hour": 8, "minute": 35, "second": 45}
